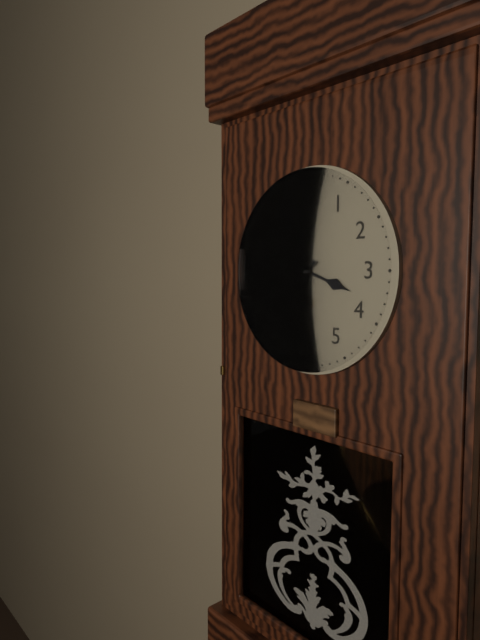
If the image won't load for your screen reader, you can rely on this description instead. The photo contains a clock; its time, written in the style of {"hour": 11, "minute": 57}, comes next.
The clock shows {"hour": 3, "minute": 38}
